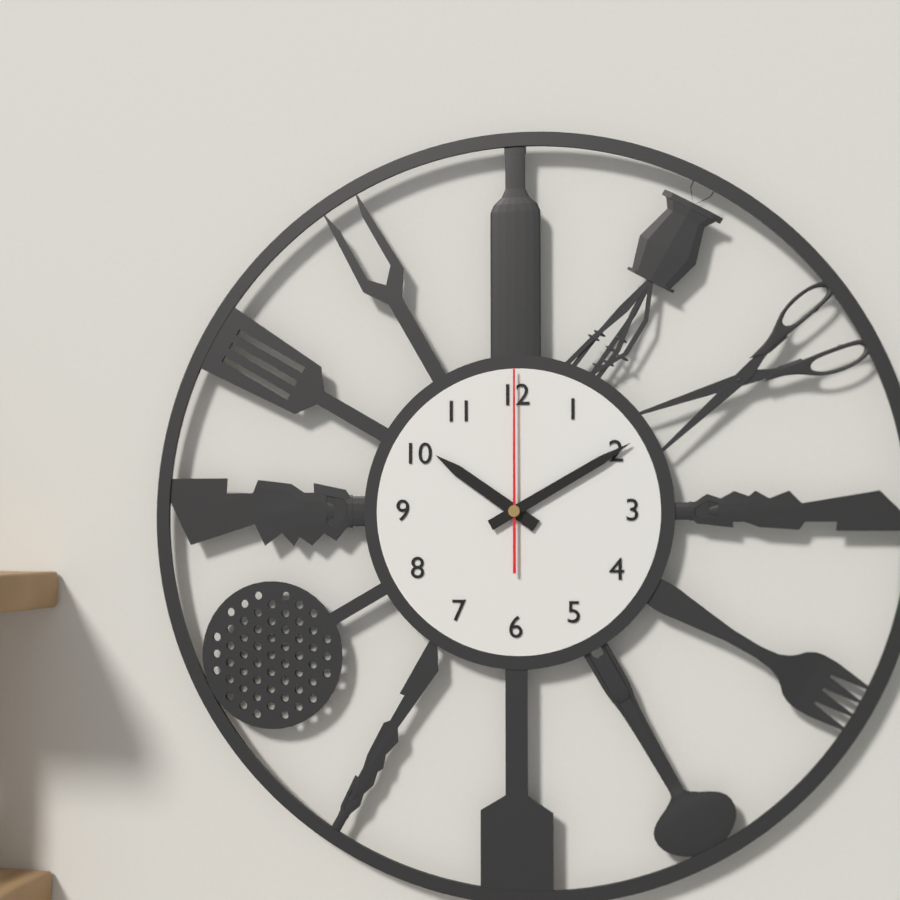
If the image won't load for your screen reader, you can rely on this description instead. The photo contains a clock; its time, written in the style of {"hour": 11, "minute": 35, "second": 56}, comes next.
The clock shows {"hour": 10, "minute": 10, "second": 0}
